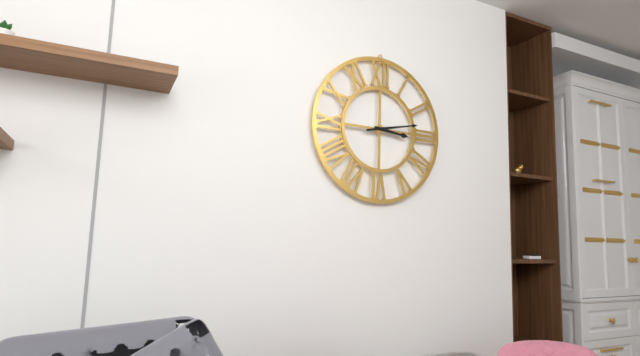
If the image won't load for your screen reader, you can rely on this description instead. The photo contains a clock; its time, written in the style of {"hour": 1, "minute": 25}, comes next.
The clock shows {"hour": 3, "minute": 13}
